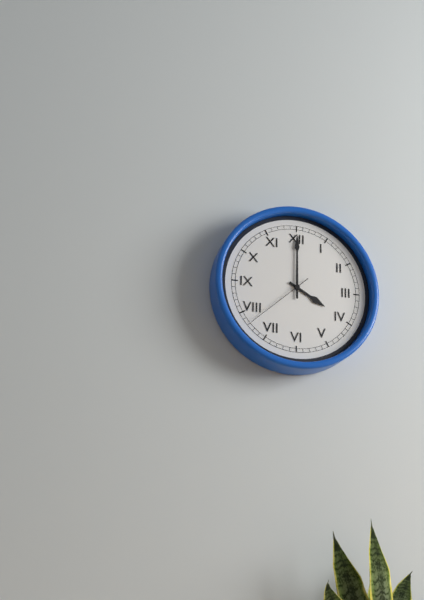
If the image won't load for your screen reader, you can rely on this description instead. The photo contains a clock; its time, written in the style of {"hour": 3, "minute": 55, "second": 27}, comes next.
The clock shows {"hour": 4, "minute": 0, "second": 38}
